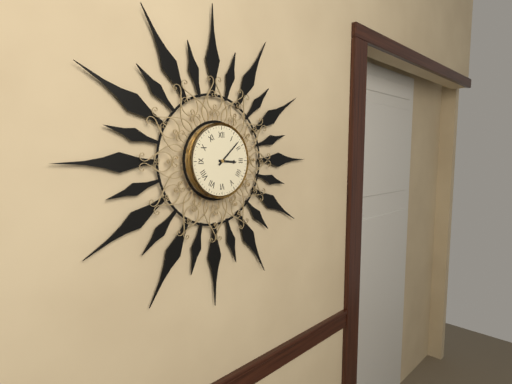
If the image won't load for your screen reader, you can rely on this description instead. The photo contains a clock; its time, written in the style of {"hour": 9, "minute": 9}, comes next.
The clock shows {"hour": 3, "minute": 8}
